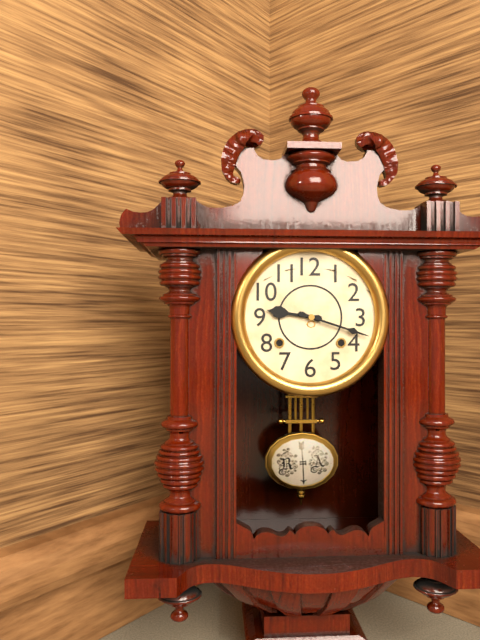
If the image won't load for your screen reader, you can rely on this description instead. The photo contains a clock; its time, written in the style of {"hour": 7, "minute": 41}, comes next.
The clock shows {"hour": 9, "minute": 18}
